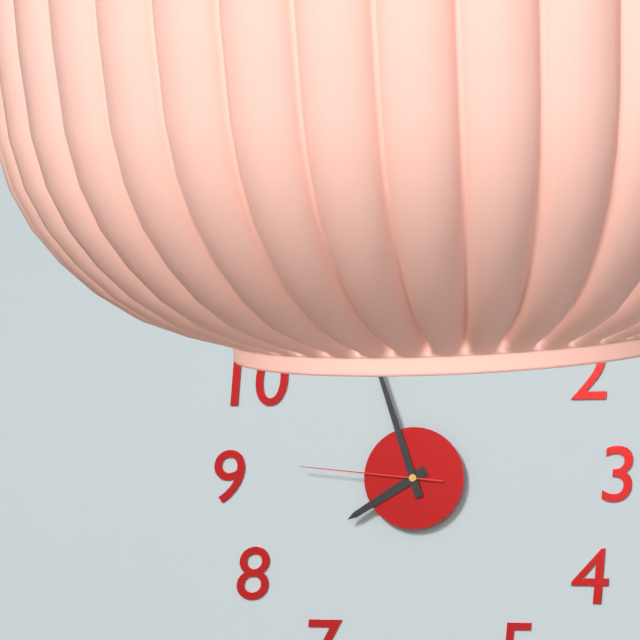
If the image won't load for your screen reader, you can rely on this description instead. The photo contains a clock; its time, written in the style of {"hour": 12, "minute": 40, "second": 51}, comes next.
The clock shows {"hour": 7, "minute": 57, "second": 46}
